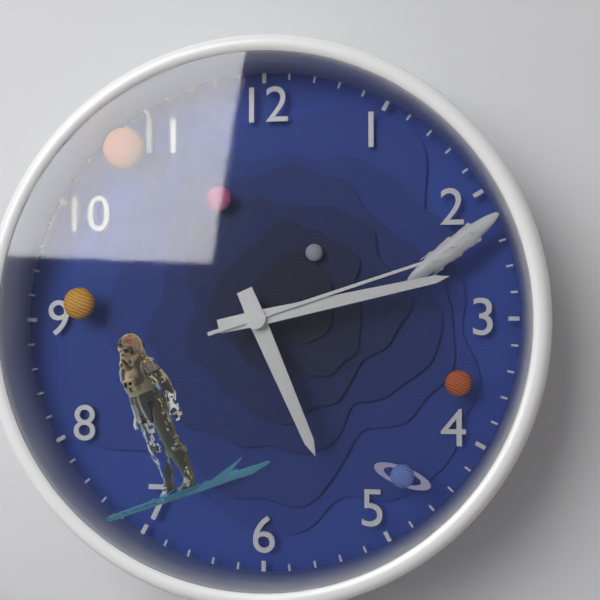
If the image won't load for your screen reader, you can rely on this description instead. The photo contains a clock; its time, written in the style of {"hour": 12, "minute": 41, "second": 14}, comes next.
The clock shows {"hour": 5, "minute": 13, "second": 12}
